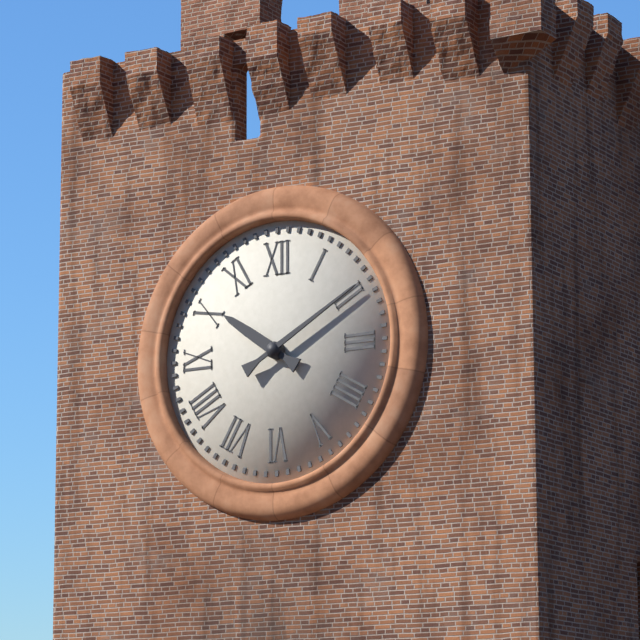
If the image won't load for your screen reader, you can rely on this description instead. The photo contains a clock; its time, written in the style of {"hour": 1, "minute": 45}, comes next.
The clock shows {"hour": 10, "minute": 10}
